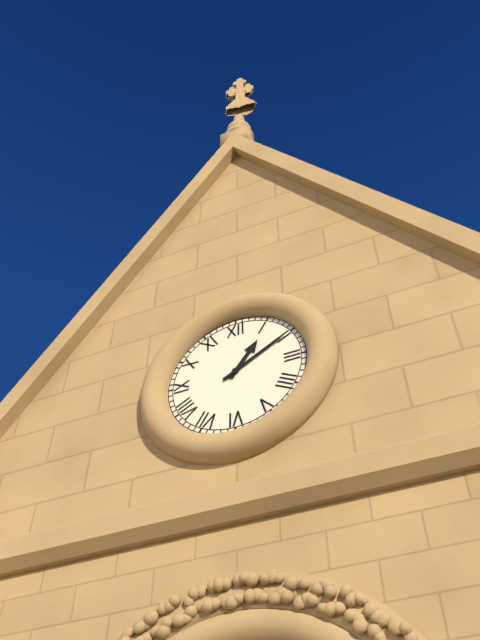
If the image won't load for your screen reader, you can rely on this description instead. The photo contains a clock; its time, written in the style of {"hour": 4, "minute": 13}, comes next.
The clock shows {"hour": 1, "minute": 10}
